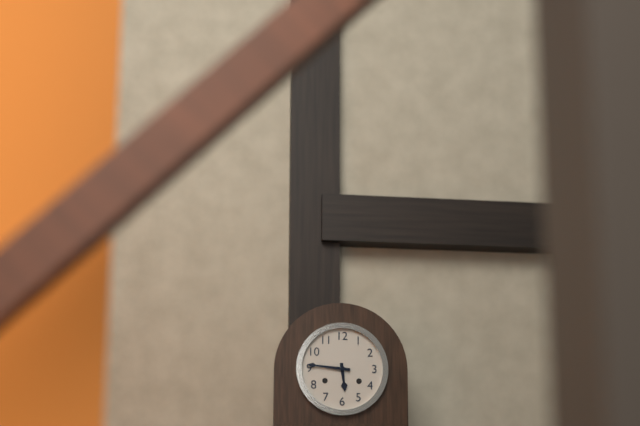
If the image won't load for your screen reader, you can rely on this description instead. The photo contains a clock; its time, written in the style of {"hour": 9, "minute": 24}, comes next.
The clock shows {"hour": 5, "minute": 46}
